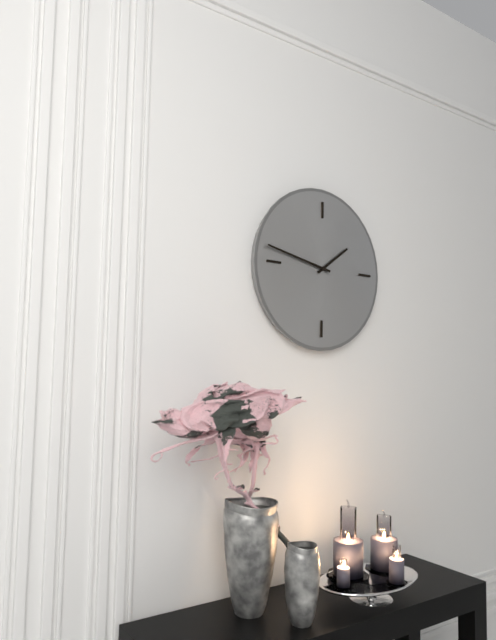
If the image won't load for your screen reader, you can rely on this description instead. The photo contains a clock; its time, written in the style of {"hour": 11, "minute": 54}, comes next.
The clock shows {"hour": 1, "minute": 47}
